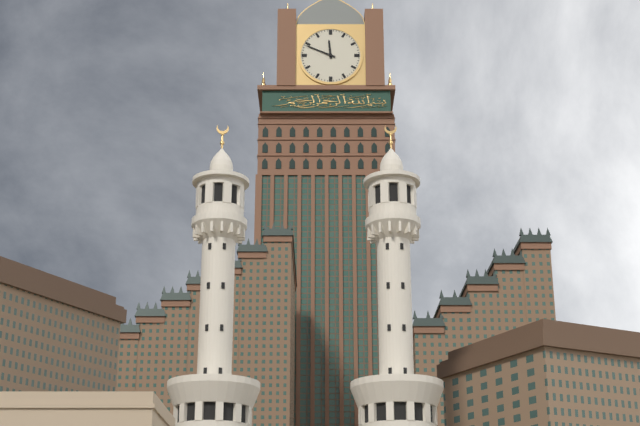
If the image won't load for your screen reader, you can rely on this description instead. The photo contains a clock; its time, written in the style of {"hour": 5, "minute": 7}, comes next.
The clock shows {"hour": 11, "minute": 49}
